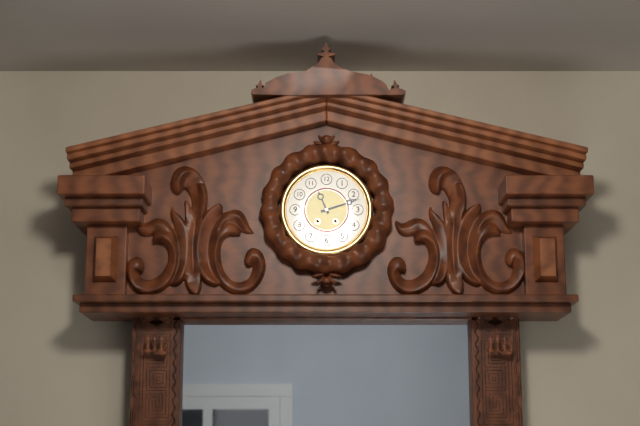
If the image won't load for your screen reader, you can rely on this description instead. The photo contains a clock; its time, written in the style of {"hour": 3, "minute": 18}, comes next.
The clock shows {"hour": 11, "minute": 12}
